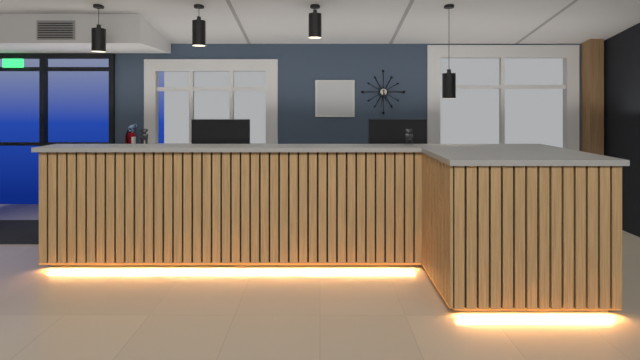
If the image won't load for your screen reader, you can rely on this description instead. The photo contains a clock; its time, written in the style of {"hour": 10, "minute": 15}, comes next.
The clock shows {"hour": 5, "minute": 32}
